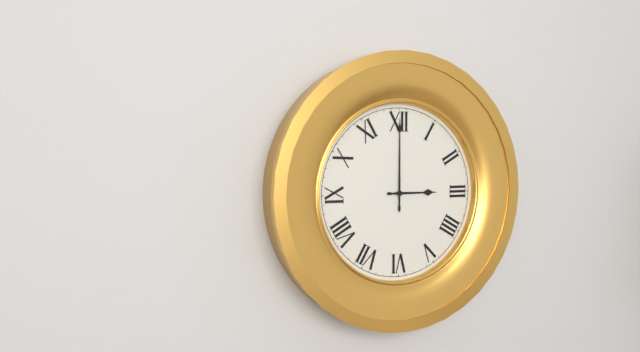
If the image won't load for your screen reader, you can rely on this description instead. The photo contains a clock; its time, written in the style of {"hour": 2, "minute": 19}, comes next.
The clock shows {"hour": 3, "minute": 0}
